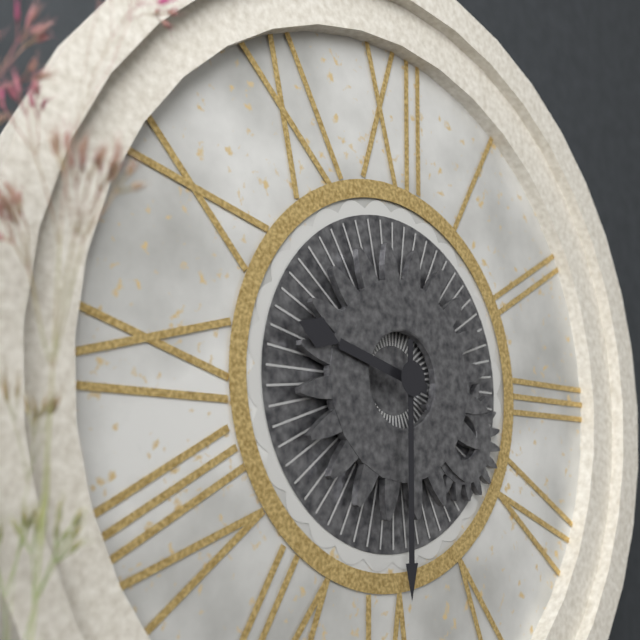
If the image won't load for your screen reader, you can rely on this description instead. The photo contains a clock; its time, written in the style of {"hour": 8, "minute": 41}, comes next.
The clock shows {"hour": 9, "minute": 30}
